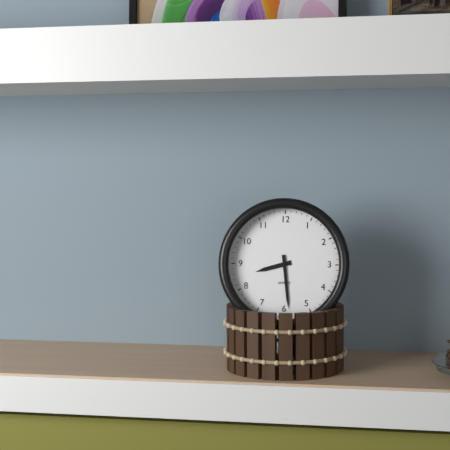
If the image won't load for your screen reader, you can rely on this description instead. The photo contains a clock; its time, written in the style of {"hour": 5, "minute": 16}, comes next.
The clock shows {"hour": 8, "minute": 29}
